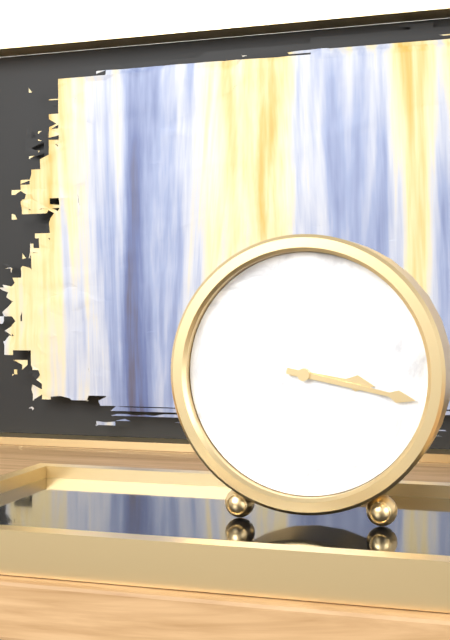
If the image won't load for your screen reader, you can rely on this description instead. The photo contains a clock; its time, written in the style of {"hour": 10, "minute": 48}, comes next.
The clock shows {"hour": 3, "minute": 17}
